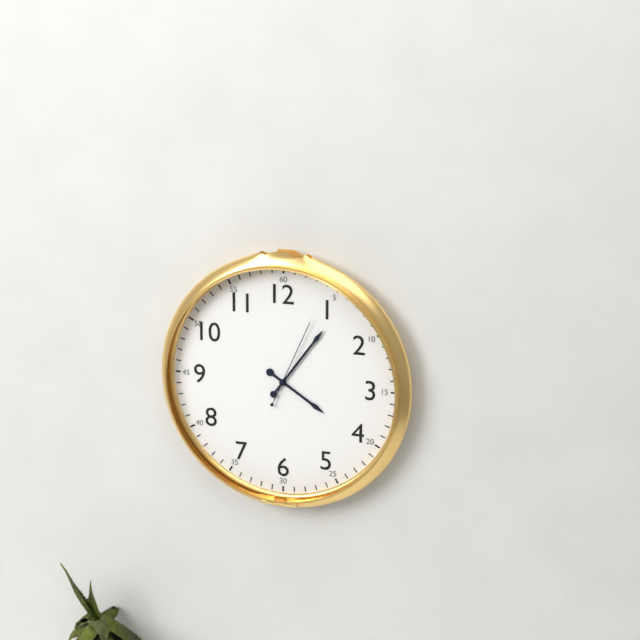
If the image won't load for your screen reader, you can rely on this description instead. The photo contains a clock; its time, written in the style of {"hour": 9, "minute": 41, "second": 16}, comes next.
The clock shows {"hour": 4, "minute": 6, "second": 4}
